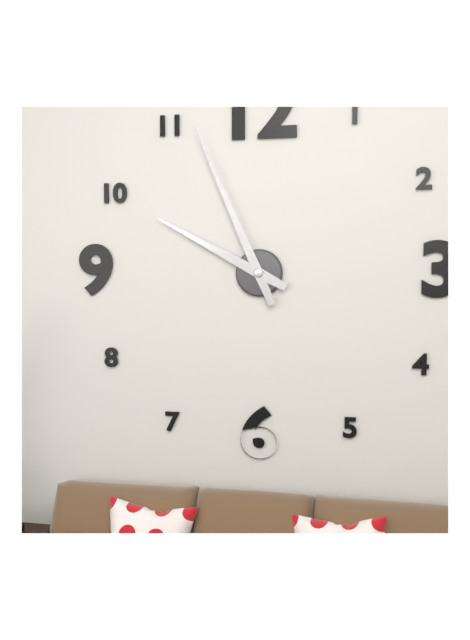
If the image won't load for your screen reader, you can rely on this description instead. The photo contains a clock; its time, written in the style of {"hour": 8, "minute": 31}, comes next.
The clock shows {"hour": 9, "minute": 56}
